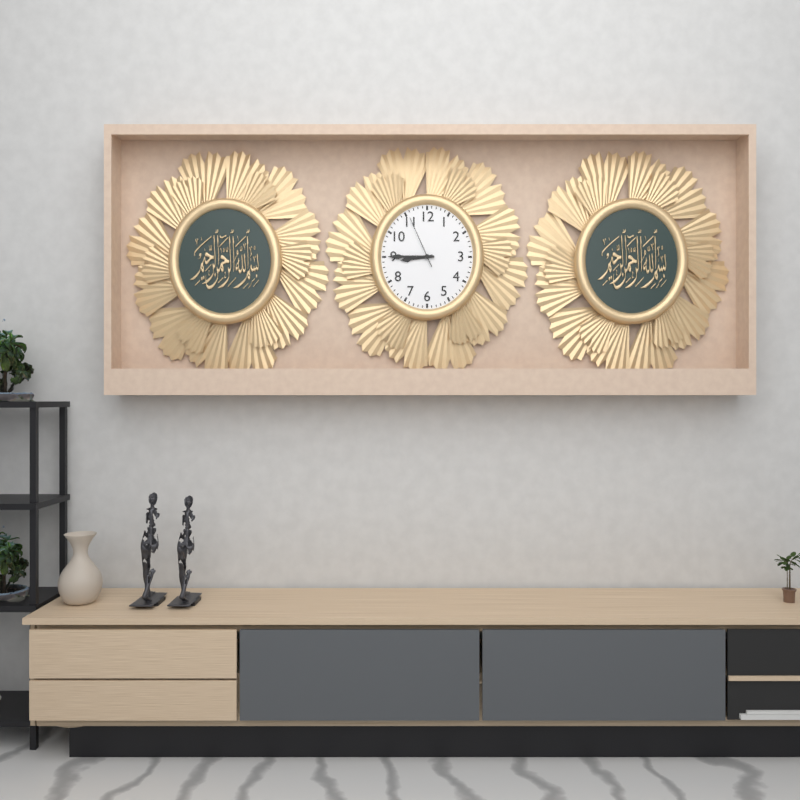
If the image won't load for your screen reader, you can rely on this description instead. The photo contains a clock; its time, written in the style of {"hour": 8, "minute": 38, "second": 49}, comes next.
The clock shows {"hour": 8, "minute": 45, "second": 56}
